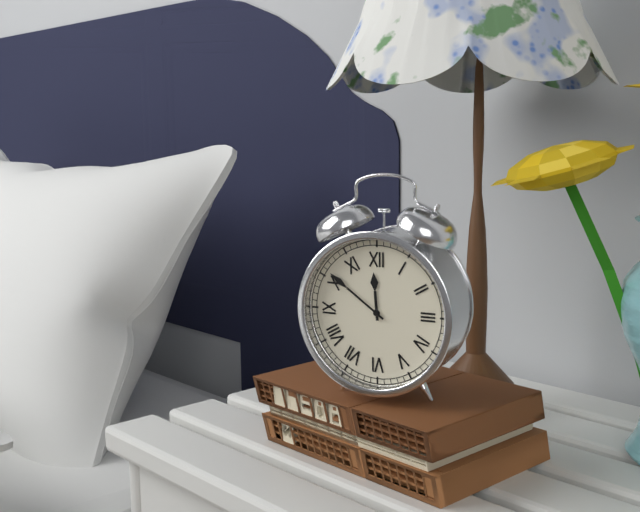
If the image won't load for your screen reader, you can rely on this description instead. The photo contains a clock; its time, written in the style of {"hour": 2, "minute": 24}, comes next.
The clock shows {"hour": 11, "minute": 51}
